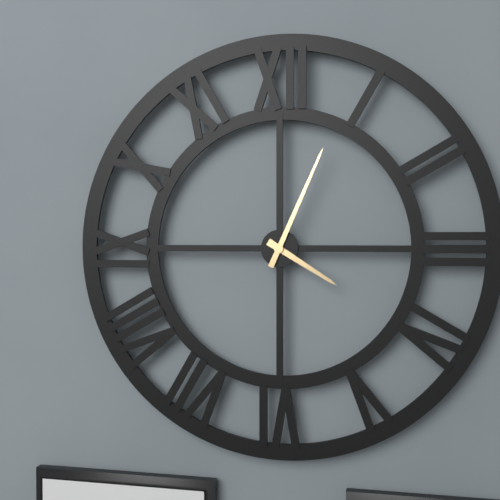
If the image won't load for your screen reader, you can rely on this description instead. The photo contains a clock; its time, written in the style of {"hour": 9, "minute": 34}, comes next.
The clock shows {"hour": 4, "minute": 4}
